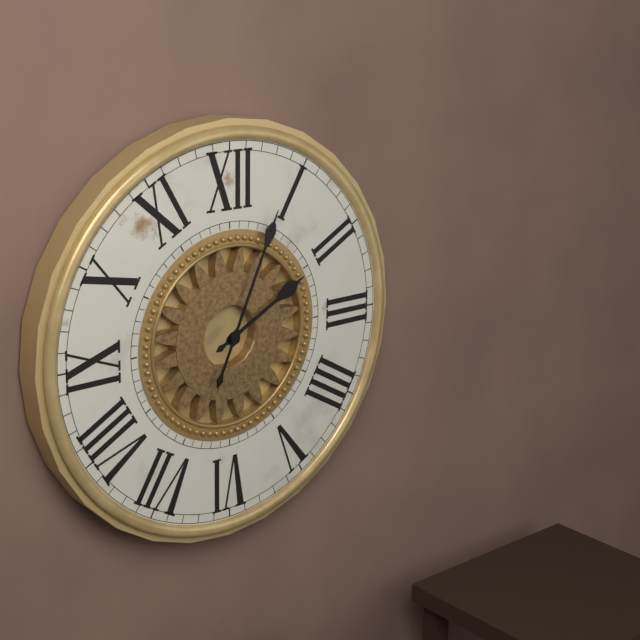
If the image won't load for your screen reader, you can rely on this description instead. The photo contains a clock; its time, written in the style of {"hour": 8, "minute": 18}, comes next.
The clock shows {"hour": 2, "minute": 4}
